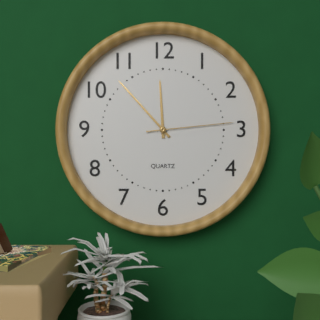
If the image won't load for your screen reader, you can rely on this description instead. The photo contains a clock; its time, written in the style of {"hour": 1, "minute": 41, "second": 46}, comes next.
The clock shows {"hour": 11, "minute": 53, "second": 14}
